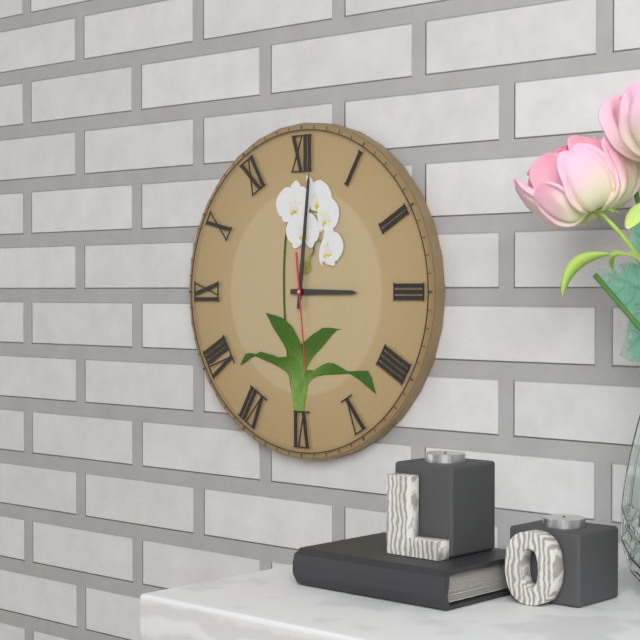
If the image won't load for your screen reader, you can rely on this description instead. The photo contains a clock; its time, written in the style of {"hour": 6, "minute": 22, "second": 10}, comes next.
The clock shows {"hour": 3, "minute": 1, "second": 29}
